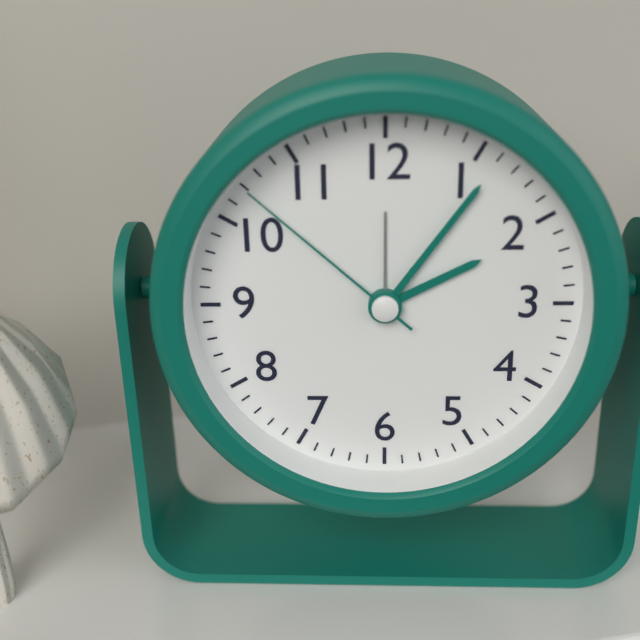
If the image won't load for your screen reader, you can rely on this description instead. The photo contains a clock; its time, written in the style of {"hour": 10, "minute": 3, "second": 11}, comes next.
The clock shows {"hour": 2, "minute": 6, "second": 52}
